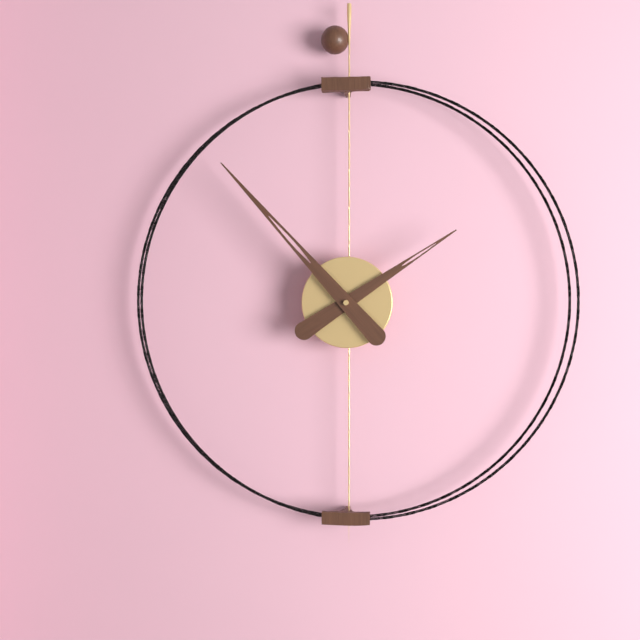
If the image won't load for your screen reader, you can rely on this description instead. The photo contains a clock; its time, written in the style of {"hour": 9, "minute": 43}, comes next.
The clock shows {"hour": 1, "minute": 53}
